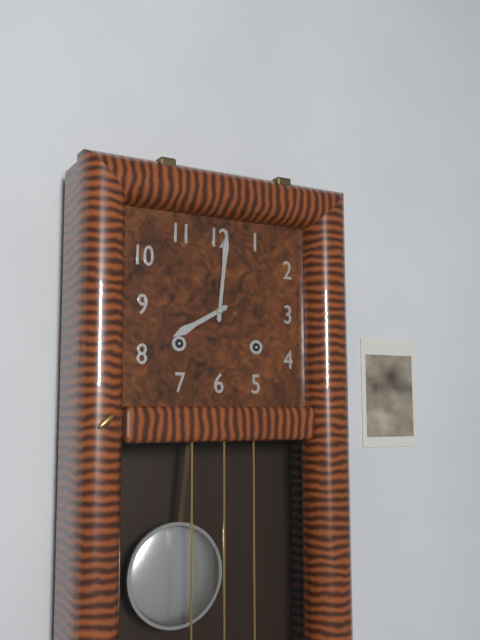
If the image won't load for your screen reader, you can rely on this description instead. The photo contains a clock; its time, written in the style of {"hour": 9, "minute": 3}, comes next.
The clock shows {"hour": 8, "minute": 1}
